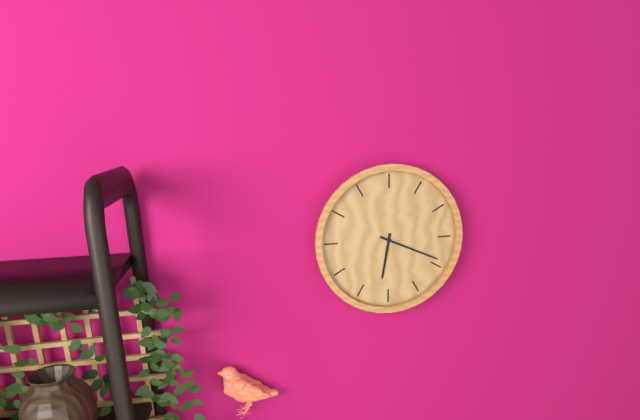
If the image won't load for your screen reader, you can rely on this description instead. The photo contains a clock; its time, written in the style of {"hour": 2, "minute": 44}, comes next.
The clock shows {"hour": 6, "minute": 19}
